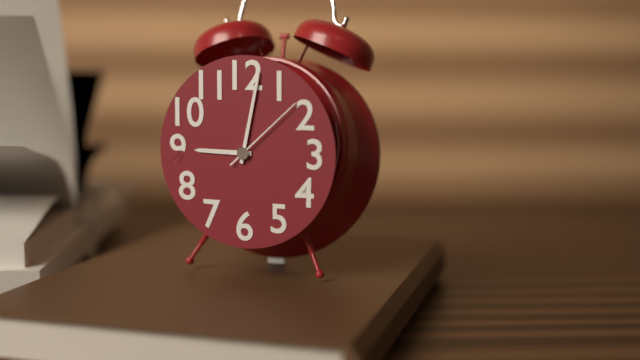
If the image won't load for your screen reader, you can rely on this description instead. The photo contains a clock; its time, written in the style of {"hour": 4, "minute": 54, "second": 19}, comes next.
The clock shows {"hour": 9, "minute": 2, "second": 8}
